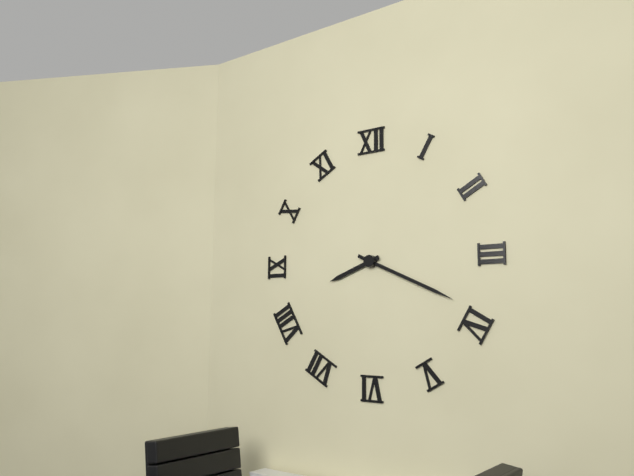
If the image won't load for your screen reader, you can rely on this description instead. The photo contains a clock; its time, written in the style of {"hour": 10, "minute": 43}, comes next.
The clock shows {"hour": 8, "minute": 19}
